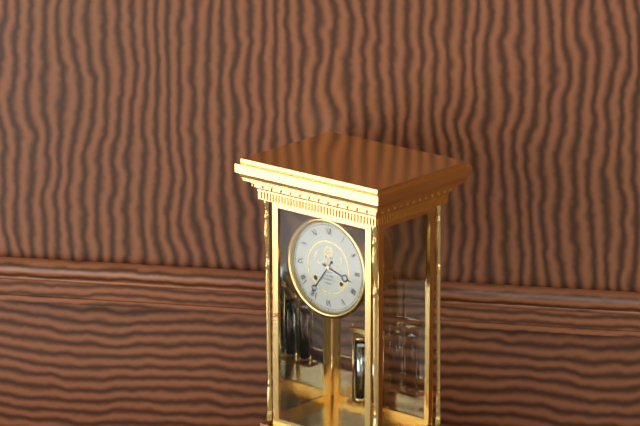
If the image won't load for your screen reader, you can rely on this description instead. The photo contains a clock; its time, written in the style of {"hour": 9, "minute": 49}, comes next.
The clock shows {"hour": 3, "minute": 36}
